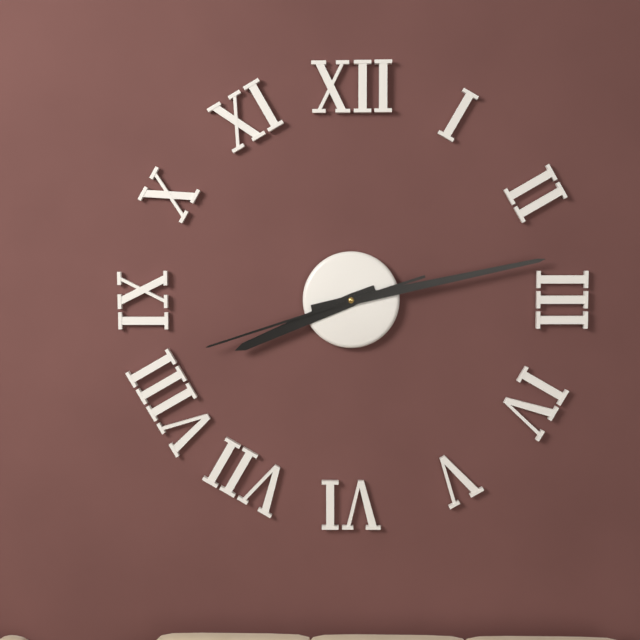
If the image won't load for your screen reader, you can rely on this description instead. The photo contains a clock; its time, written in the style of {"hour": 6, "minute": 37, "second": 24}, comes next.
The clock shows {"hour": 8, "minute": 13, "second": 42}
